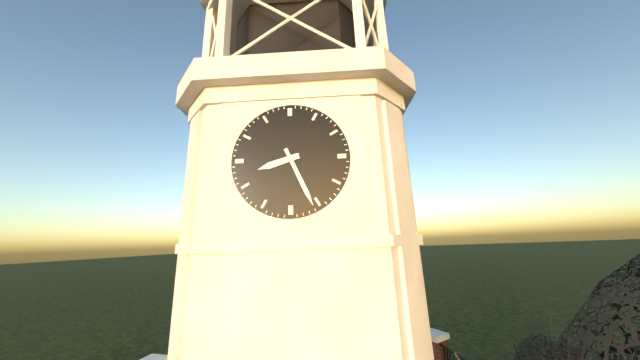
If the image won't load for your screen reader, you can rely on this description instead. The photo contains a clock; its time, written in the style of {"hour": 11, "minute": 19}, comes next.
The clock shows {"hour": 8, "minute": 26}
